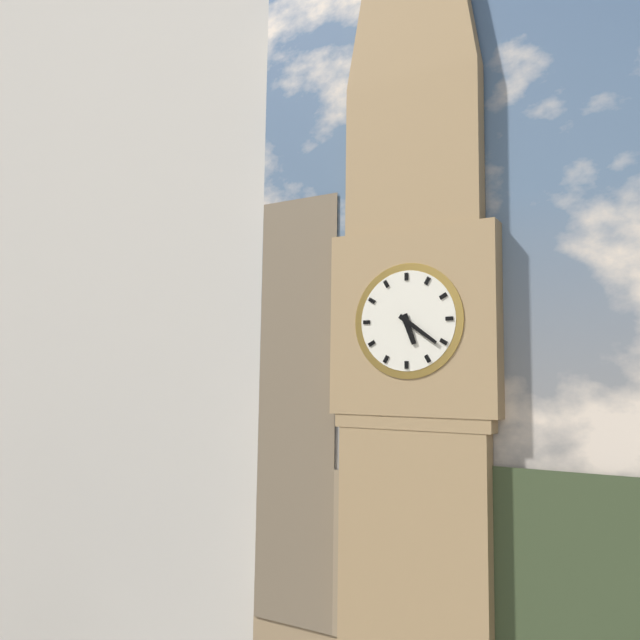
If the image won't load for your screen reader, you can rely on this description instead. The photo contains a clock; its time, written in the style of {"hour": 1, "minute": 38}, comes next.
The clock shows {"hour": 5, "minute": 21}
